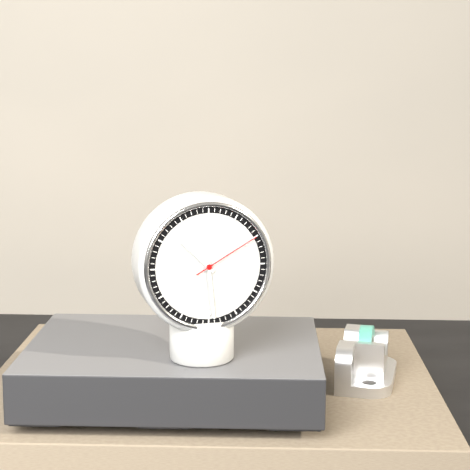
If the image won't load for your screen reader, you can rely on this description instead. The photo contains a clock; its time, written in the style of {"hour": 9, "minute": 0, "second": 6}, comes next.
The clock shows {"hour": 10, "minute": 29, "second": 10}
